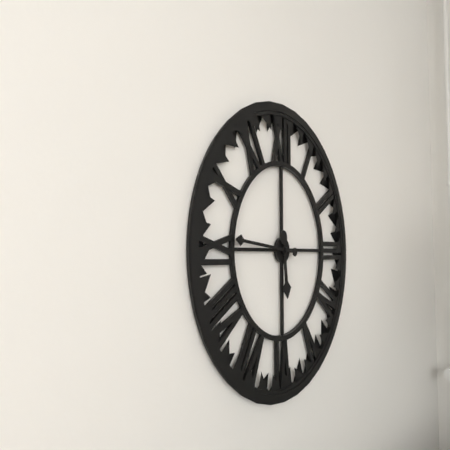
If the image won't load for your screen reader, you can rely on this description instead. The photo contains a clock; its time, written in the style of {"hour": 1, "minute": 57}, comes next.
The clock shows {"hour": 5, "minute": 46}
